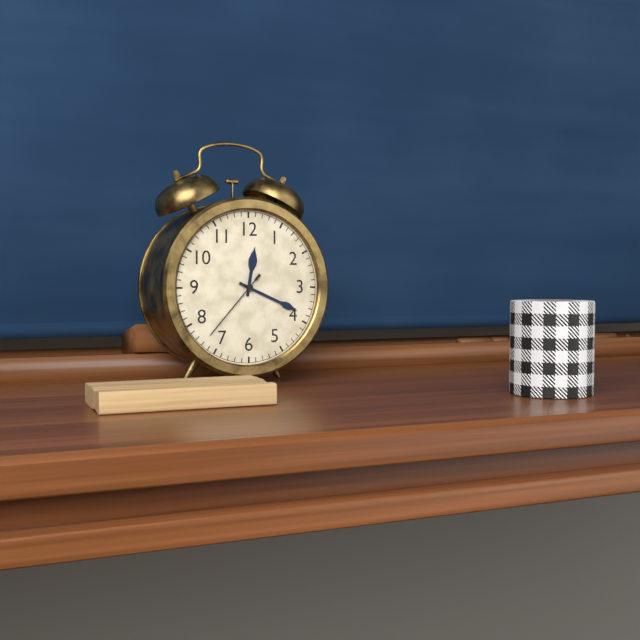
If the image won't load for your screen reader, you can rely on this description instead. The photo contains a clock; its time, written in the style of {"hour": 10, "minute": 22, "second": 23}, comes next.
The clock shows {"hour": 12, "minute": 19, "second": 37}
